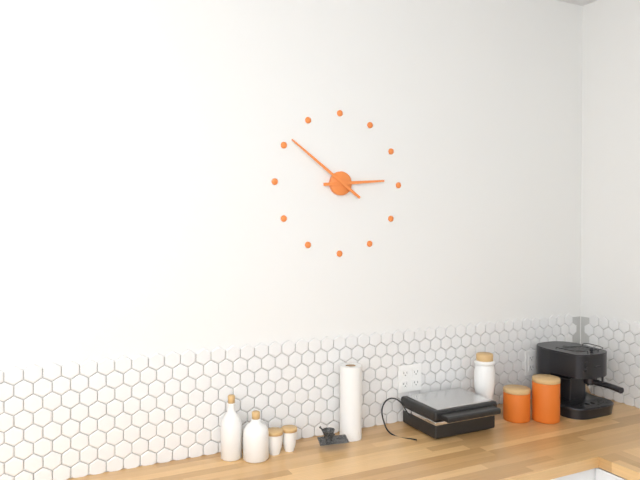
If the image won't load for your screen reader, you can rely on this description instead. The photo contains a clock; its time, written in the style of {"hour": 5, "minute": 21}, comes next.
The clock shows {"hour": 2, "minute": 51}
